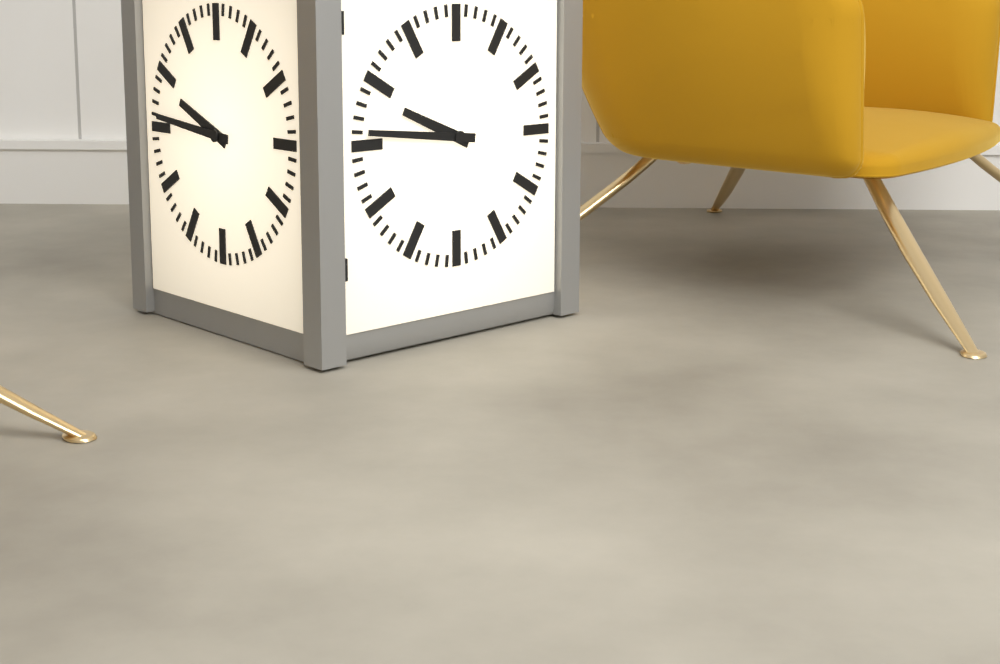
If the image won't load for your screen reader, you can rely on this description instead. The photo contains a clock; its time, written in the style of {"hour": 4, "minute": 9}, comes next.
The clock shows {"hour": 9, "minute": 46}
